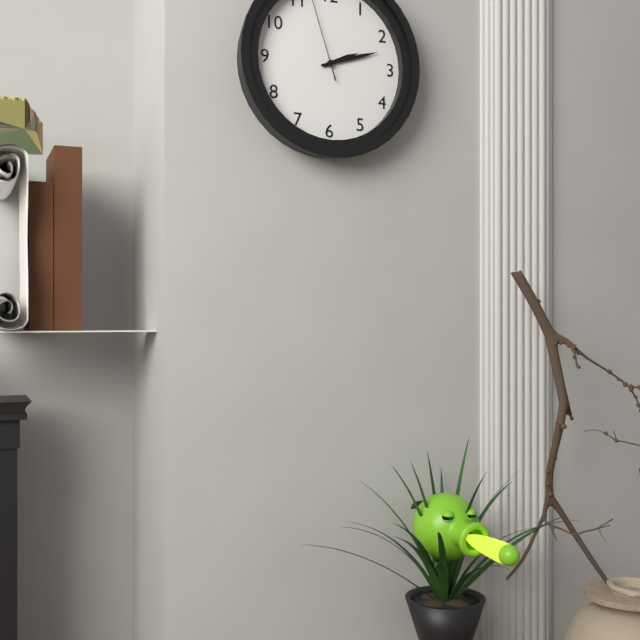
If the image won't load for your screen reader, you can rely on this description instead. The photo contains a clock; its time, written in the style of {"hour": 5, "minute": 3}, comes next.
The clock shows {"hour": 2, "minute": 12}
